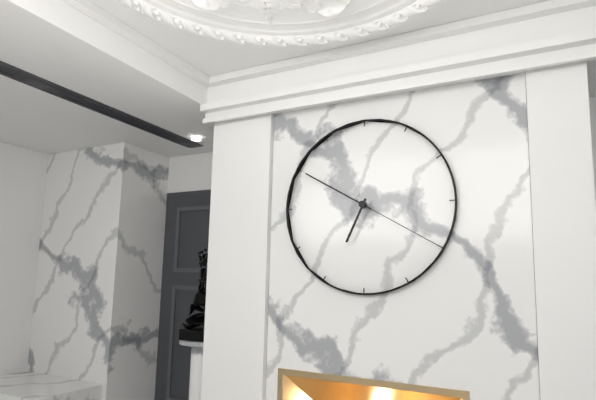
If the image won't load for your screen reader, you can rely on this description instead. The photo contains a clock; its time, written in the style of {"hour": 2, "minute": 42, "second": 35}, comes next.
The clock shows {"hour": 6, "minute": 50, "second": 20}
